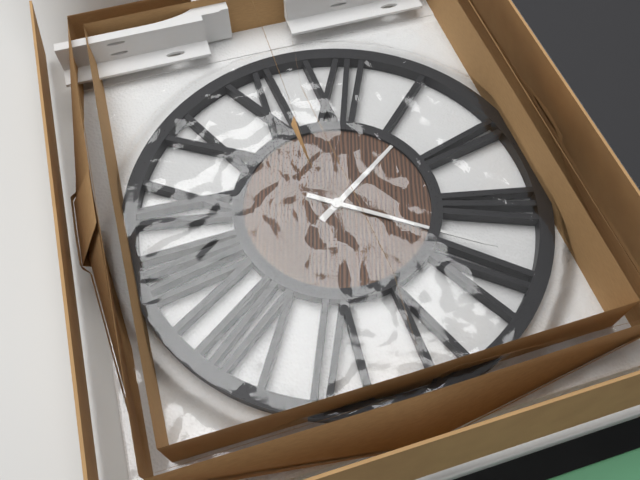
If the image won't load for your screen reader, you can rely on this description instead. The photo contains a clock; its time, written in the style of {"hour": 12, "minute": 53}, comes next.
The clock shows {"hour": 1, "minute": 18}
